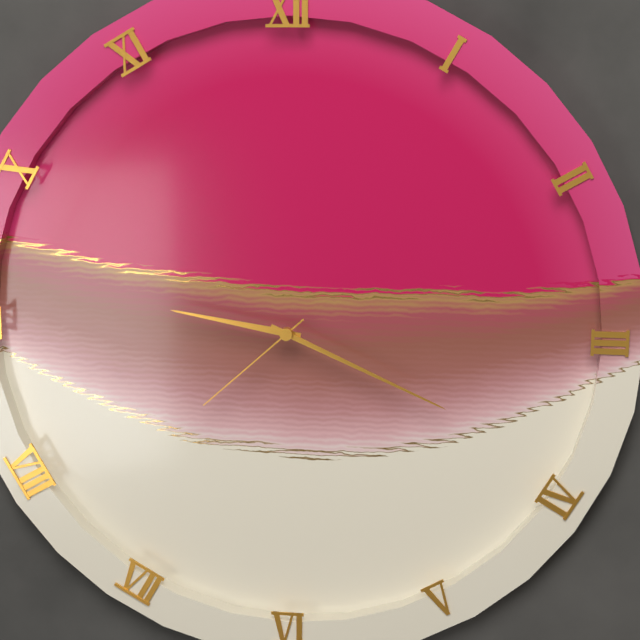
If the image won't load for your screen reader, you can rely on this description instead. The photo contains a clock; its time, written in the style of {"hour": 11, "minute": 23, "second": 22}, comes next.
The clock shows {"hour": 9, "minute": 19, "second": 38}
